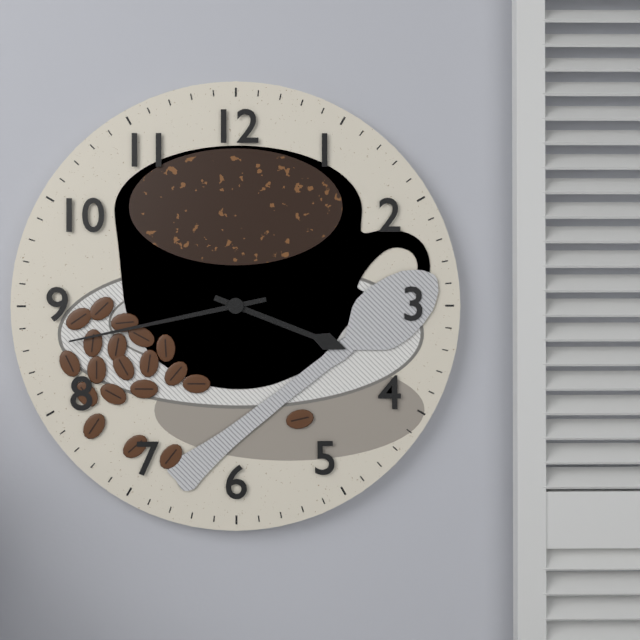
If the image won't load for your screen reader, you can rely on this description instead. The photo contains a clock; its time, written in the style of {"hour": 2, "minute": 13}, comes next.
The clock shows {"hour": 3, "minute": 43}
